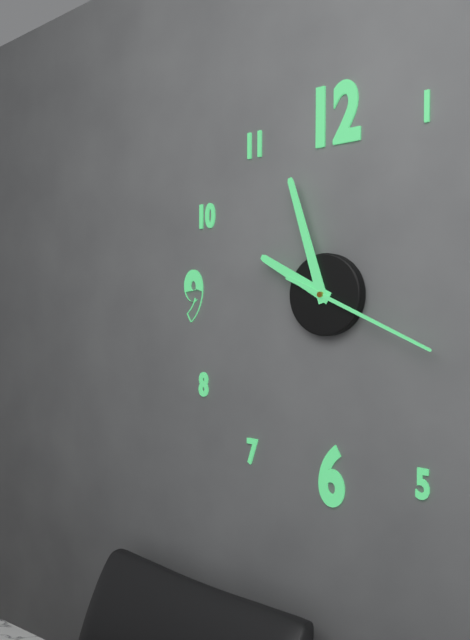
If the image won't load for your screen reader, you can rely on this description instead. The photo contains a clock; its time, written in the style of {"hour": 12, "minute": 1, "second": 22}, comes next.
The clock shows {"hour": 9, "minute": 57, "second": 19}
